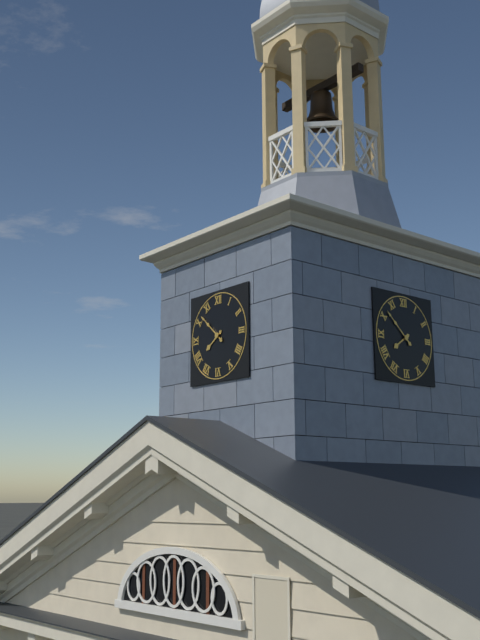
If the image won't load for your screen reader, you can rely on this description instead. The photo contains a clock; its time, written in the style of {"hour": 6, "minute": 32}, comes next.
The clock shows {"hour": 7, "minute": 52}
